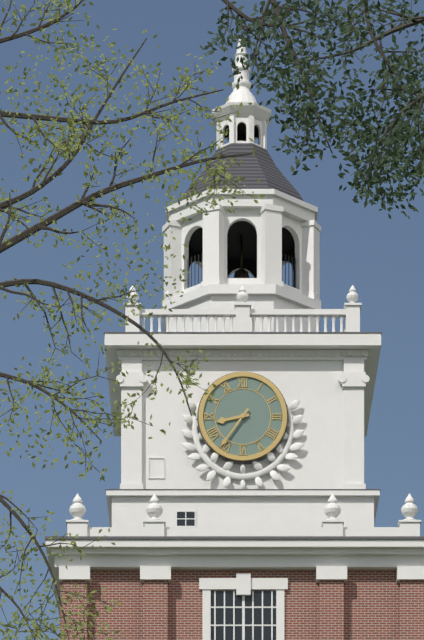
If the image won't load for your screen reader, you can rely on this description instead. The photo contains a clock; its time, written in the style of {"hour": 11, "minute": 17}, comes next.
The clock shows {"hour": 8, "minute": 36}
